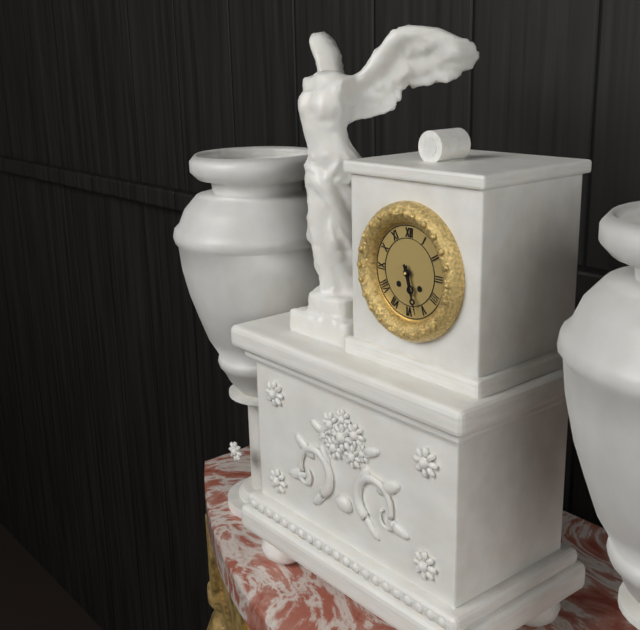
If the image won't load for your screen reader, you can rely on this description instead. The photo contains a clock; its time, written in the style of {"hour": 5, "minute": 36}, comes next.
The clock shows {"hour": 5, "minute": 27}
